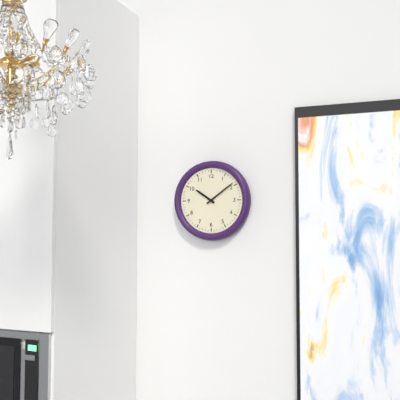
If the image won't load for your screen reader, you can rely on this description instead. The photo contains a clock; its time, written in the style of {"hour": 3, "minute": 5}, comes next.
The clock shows {"hour": 10, "minute": 9}
